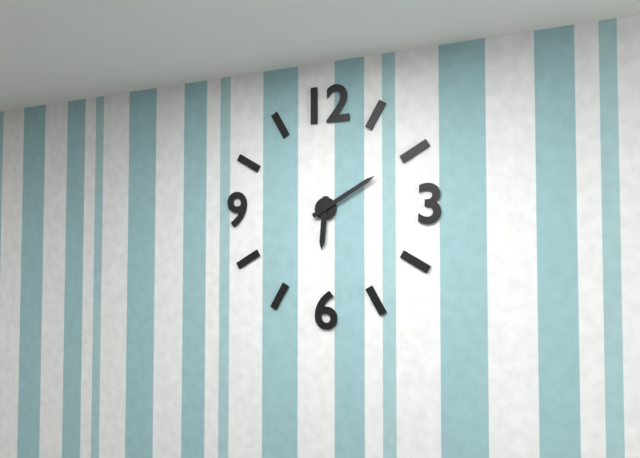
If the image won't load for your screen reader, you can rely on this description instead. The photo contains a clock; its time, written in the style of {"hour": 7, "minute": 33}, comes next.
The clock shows {"hour": 6, "minute": 10}
